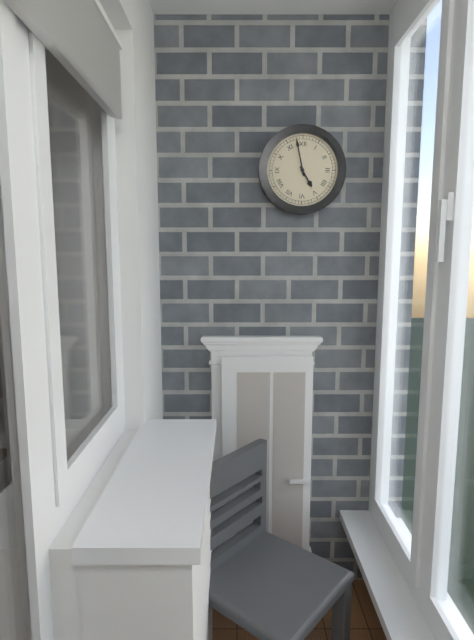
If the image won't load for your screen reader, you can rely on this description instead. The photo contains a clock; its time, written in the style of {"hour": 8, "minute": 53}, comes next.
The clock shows {"hour": 4, "minute": 58}
